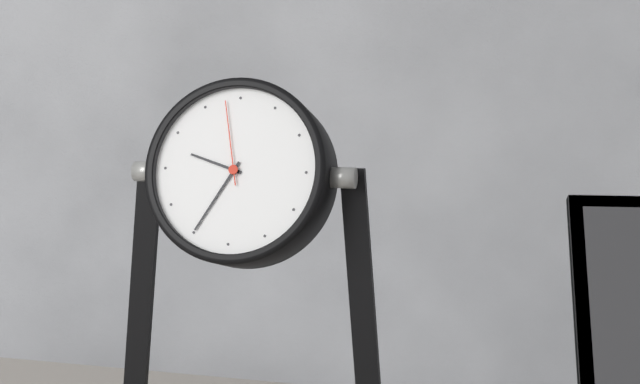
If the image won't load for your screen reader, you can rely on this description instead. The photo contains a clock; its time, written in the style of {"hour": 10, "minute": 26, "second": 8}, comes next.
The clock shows {"hour": 9, "minute": 35, "second": 58}
